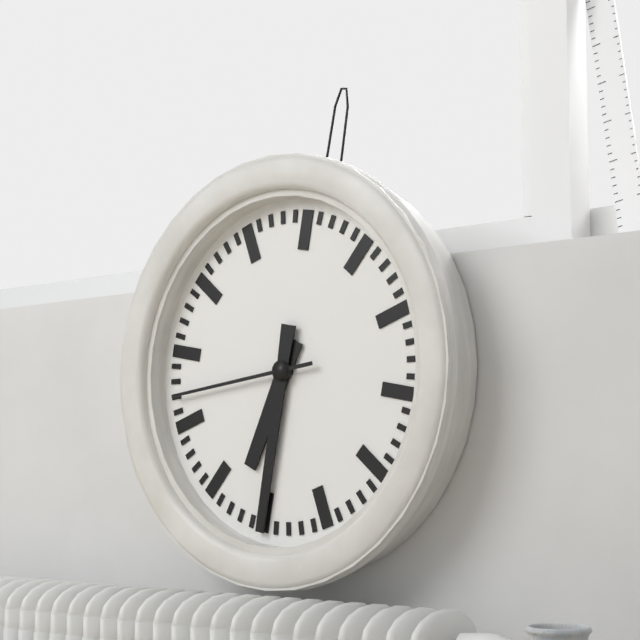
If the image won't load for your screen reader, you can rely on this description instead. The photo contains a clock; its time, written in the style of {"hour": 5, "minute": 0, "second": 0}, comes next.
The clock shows {"hour": 6, "minute": 30, "second": 42}
